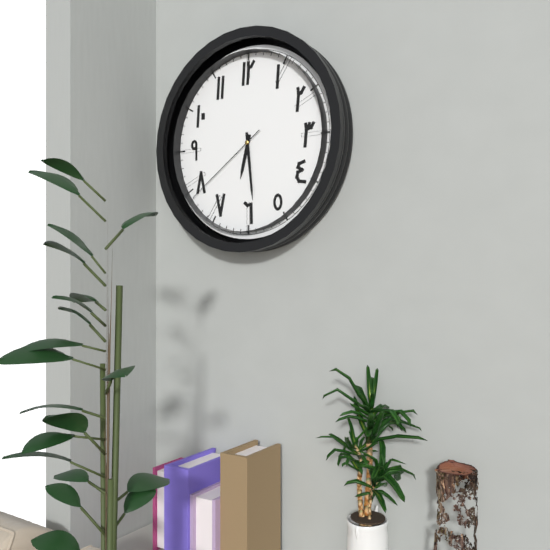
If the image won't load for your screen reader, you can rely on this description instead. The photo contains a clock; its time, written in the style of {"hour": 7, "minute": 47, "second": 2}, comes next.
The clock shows {"hour": 6, "minute": 29, "second": 39}
